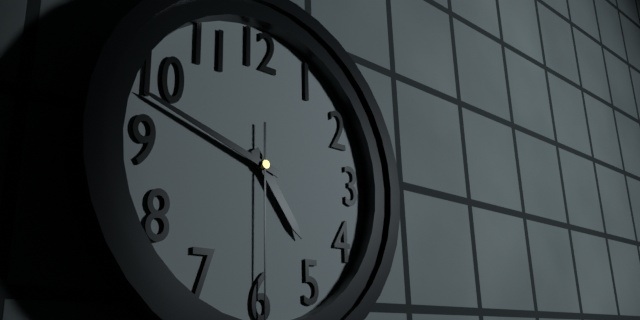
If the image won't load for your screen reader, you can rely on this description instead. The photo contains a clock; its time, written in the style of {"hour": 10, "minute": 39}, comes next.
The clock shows {"hour": 4, "minute": 48}
